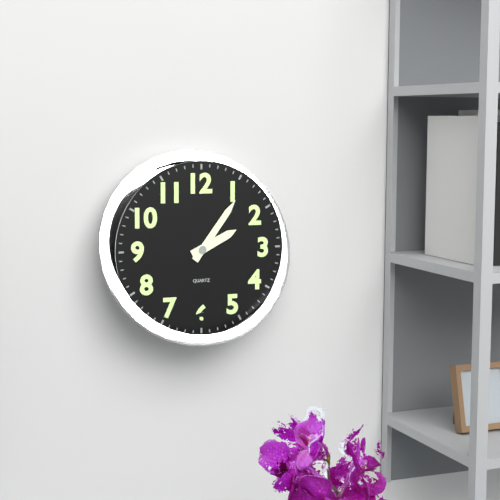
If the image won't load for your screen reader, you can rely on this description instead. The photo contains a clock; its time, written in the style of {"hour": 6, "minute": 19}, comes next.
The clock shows {"hour": 2, "minute": 6}
